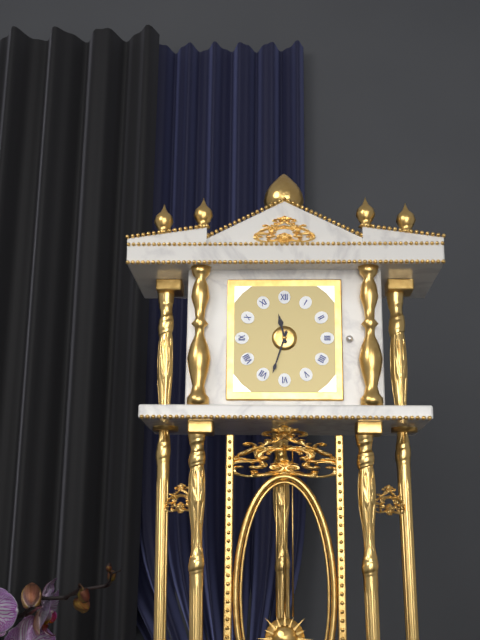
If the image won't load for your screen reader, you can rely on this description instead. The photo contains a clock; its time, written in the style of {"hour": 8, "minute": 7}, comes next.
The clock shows {"hour": 11, "minute": 33}
